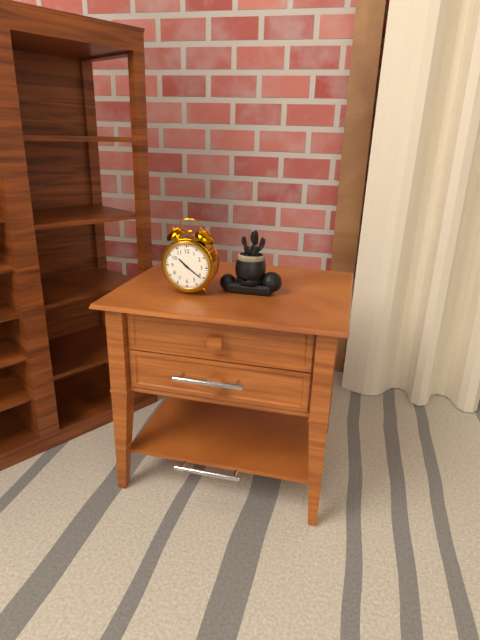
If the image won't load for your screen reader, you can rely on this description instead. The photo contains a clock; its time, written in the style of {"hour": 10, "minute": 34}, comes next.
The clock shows {"hour": 10, "minute": 21}
